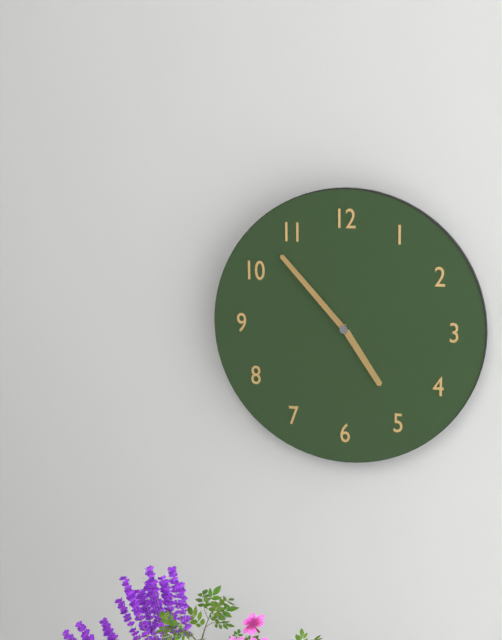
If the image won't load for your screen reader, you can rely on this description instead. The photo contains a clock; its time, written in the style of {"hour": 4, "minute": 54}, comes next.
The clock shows {"hour": 4, "minute": 53}
